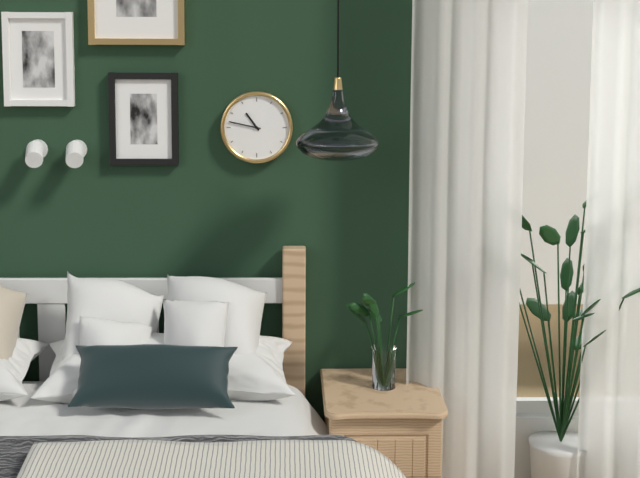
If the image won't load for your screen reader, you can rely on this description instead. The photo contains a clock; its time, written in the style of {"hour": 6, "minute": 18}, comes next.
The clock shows {"hour": 10, "minute": 47}
